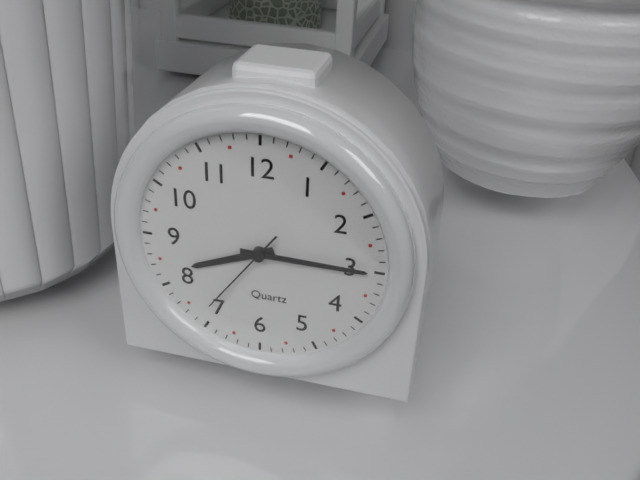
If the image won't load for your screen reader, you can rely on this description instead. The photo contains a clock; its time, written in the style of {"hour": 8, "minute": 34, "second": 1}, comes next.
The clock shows {"hour": 8, "minute": 15, "second": 36}
